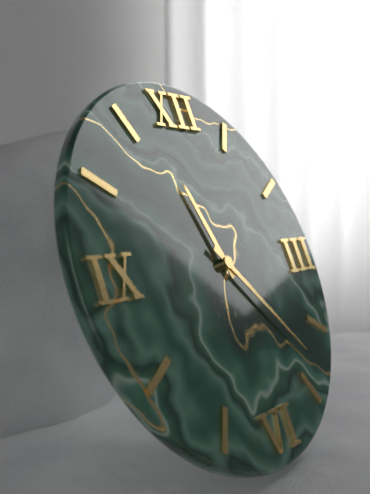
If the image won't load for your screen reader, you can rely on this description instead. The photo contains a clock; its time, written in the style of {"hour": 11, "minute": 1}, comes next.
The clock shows {"hour": 11, "minute": 23}
